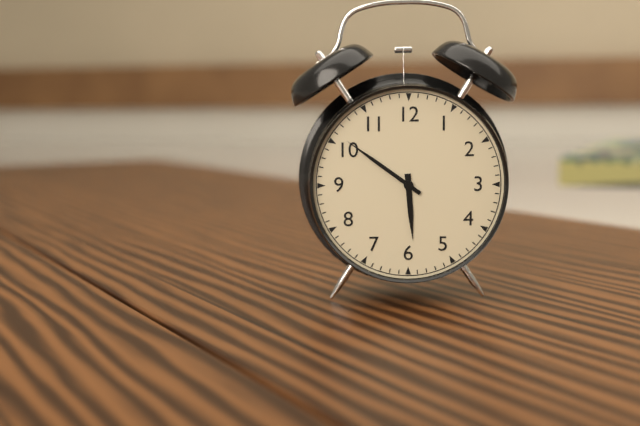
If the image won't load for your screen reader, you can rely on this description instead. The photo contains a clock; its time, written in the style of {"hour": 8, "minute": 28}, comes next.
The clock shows {"hour": 5, "minute": 51}
